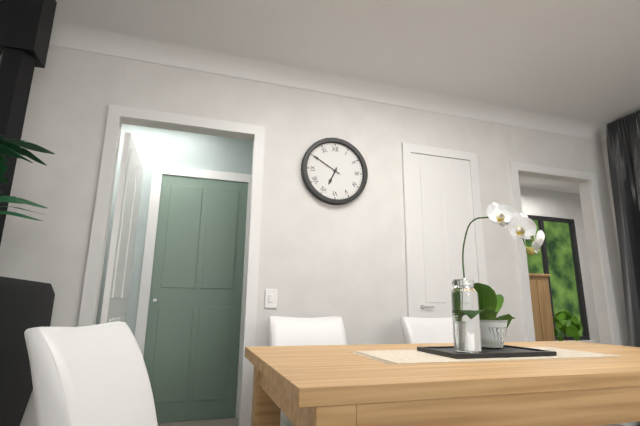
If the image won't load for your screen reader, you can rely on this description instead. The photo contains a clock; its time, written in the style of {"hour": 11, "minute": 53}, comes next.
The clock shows {"hour": 6, "minute": 50}
